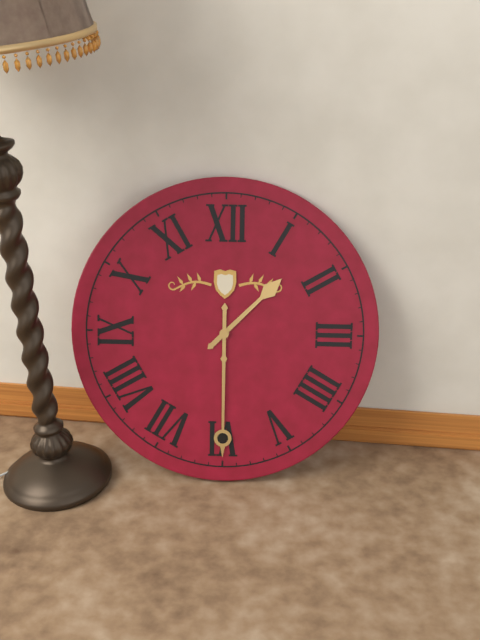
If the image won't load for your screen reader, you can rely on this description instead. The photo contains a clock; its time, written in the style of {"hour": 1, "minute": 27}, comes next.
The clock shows {"hour": 1, "minute": 30}
